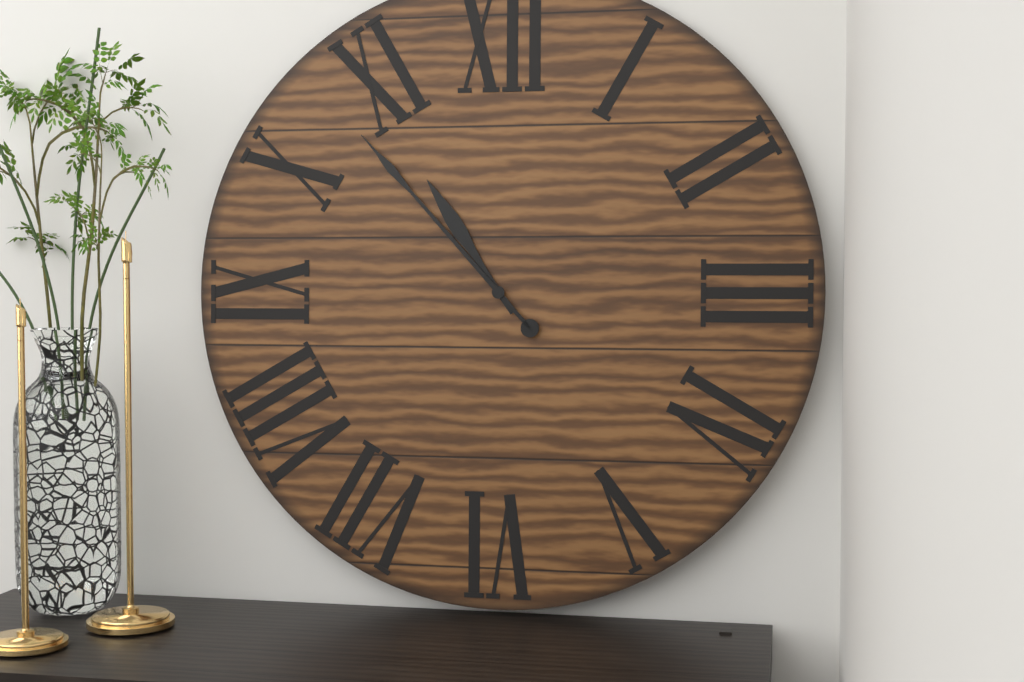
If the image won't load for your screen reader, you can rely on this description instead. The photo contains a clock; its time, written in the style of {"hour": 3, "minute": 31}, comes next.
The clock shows {"hour": 10, "minute": 53}
